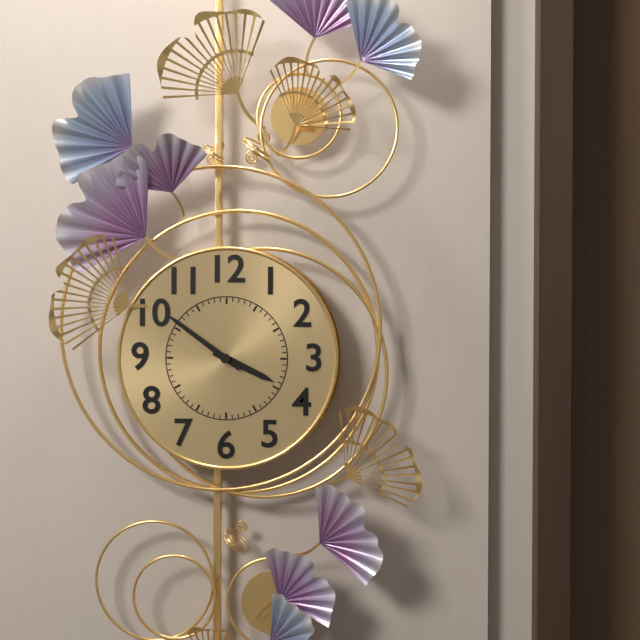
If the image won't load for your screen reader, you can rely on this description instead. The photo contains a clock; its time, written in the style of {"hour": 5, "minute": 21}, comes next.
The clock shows {"hour": 3, "minute": 51}
